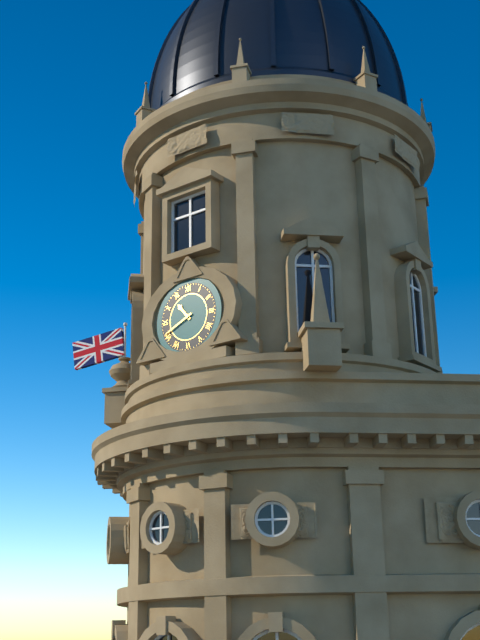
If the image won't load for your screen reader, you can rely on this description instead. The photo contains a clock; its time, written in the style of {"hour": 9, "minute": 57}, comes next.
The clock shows {"hour": 10, "minute": 41}
